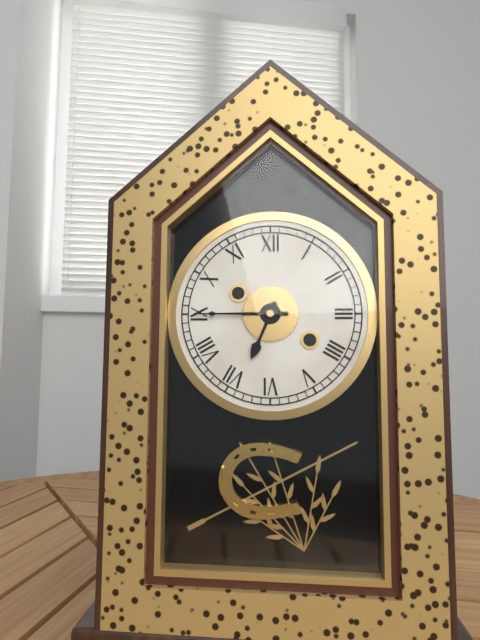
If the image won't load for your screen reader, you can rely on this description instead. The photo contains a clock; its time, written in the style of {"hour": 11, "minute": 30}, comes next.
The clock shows {"hour": 6, "minute": 45}
